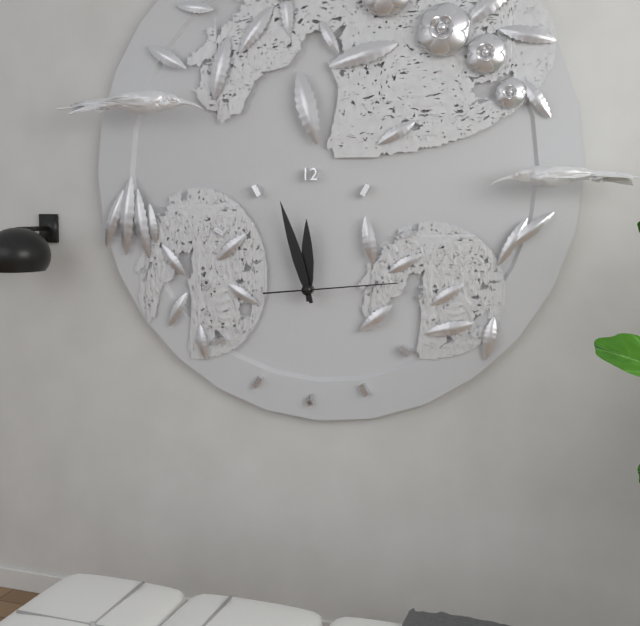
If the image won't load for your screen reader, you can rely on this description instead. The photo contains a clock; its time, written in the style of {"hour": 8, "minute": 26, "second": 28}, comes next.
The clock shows {"hour": 11, "minute": 57, "second": 14}
